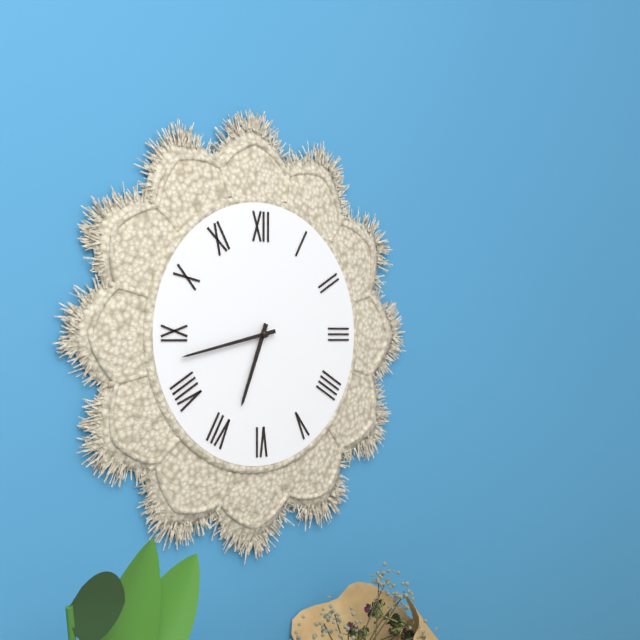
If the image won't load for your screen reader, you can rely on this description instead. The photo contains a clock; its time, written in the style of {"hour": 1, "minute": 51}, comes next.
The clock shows {"hour": 6, "minute": 43}
